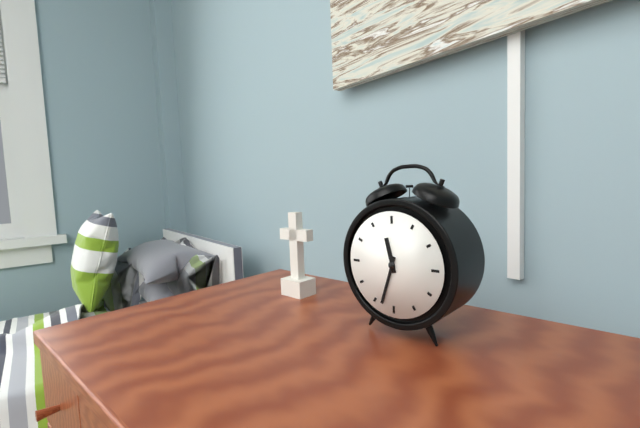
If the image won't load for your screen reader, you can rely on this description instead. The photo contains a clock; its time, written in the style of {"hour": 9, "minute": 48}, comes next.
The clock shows {"hour": 11, "minute": 33}
